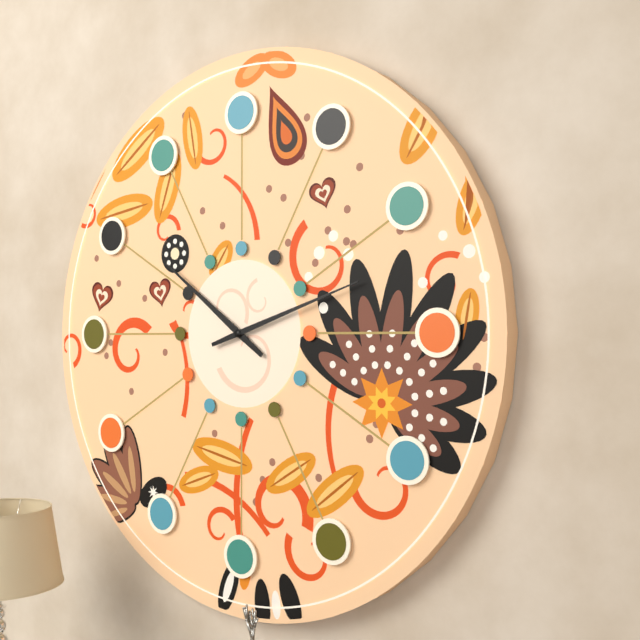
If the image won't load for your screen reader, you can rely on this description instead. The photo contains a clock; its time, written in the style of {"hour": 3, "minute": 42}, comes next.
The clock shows {"hour": 10, "minute": 12}
